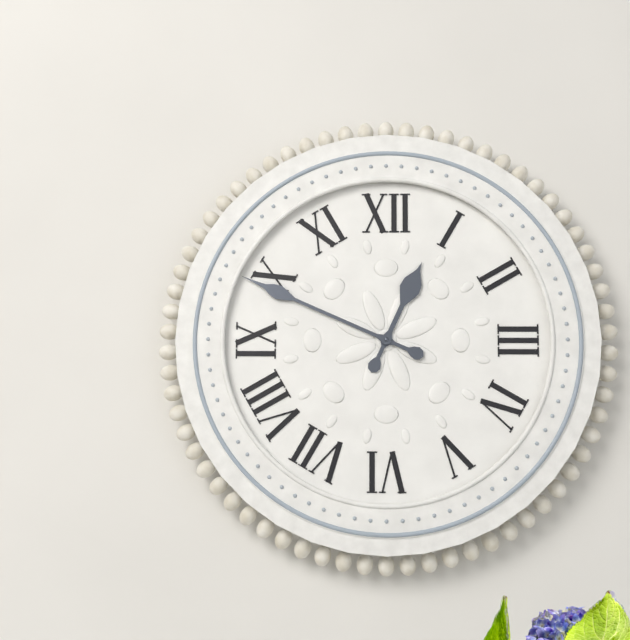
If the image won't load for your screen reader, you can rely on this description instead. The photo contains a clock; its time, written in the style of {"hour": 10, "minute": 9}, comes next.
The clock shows {"hour": 12, "minute": 49}
